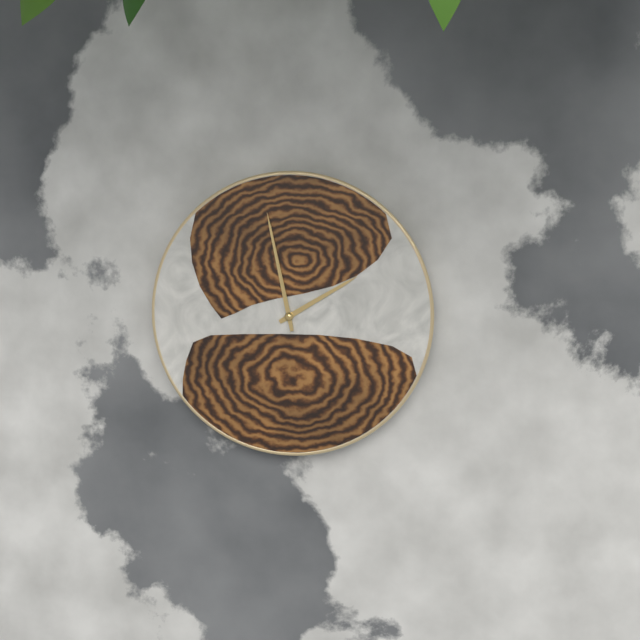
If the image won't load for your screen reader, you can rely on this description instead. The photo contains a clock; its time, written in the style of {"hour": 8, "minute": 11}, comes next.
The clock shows {"hour": 1, "minute": 58}
